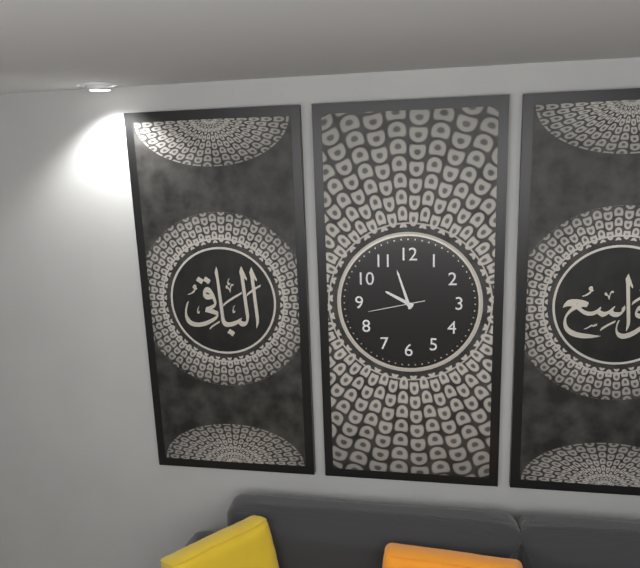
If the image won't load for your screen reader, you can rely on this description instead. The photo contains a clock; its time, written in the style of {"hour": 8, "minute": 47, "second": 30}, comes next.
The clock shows {"hour": 9, "minute": 57, "second": 43}
